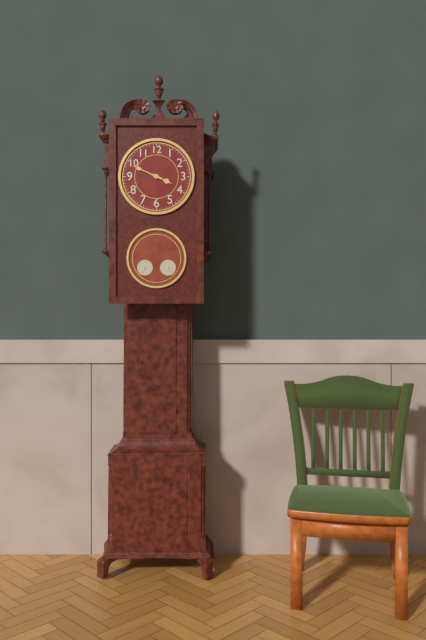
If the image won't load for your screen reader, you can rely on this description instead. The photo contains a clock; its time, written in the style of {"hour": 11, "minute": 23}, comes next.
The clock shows {"hour": 3, "minute": 49}
